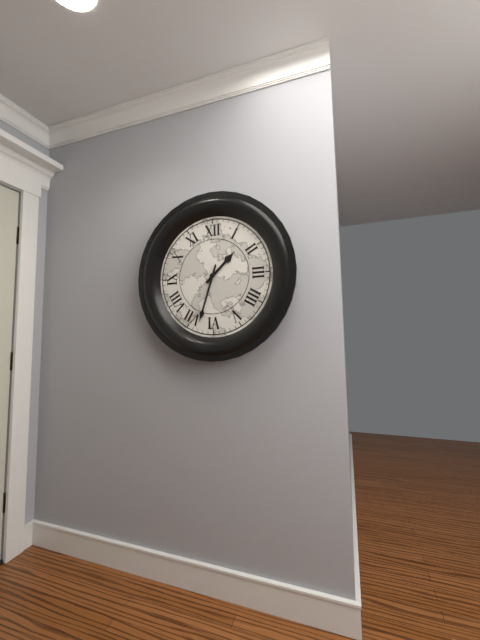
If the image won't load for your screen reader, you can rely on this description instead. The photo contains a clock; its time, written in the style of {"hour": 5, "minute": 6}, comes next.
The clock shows {"hour": 1, "minute": 33}
